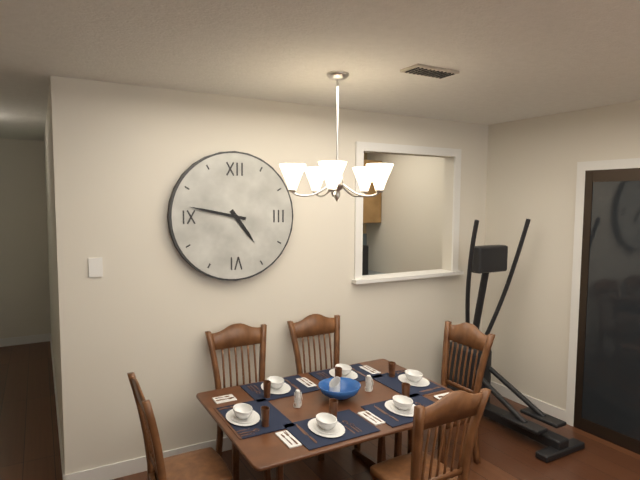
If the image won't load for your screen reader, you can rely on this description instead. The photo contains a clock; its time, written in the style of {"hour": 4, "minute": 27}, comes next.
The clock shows {"hour": 4, "minute": 47}
